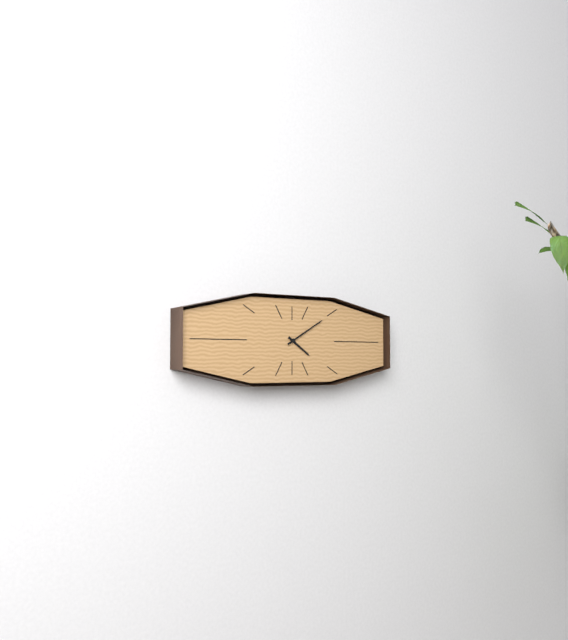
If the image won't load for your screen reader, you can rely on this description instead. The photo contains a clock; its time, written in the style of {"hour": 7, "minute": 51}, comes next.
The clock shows {"hour": 4, "minute": 10}
